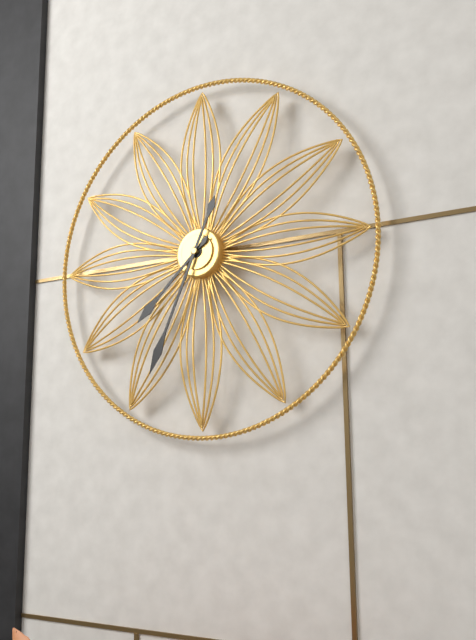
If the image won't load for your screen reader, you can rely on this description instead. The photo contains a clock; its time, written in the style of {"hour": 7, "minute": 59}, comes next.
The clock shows {"hour": 7, "minute": 34}
